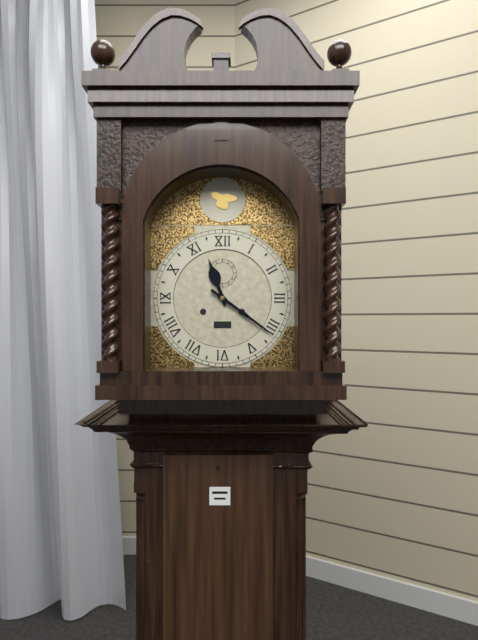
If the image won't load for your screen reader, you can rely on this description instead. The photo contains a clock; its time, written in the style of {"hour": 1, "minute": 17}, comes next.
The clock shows {"hour": 11, "minute": 21}
